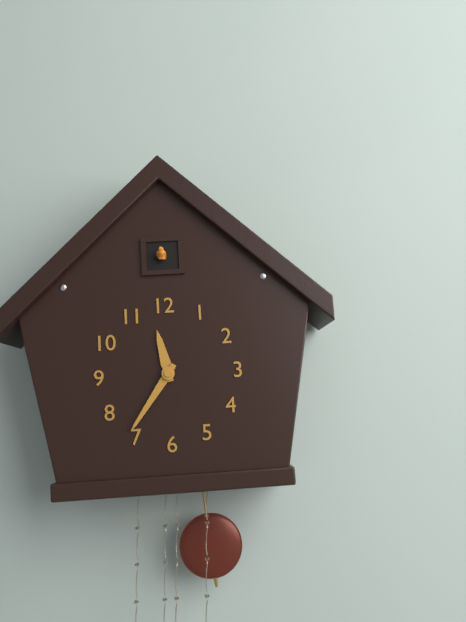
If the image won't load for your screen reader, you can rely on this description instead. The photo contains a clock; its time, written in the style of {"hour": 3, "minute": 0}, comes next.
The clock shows {"hour": 11, "minute": 36}
